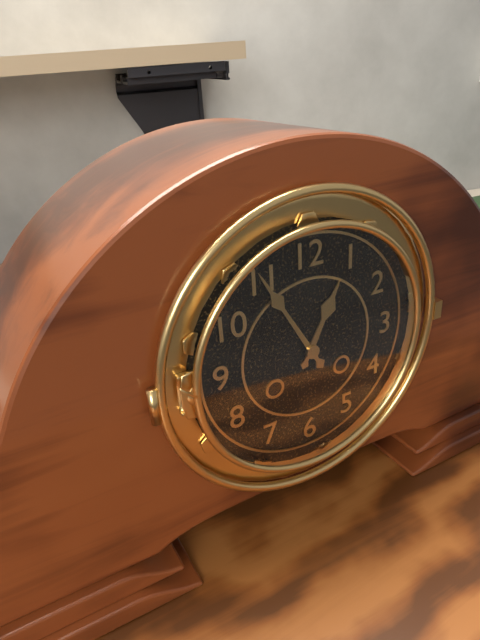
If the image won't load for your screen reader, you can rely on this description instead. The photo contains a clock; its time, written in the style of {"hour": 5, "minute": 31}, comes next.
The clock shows {"hour": 12, "minute": 55}
